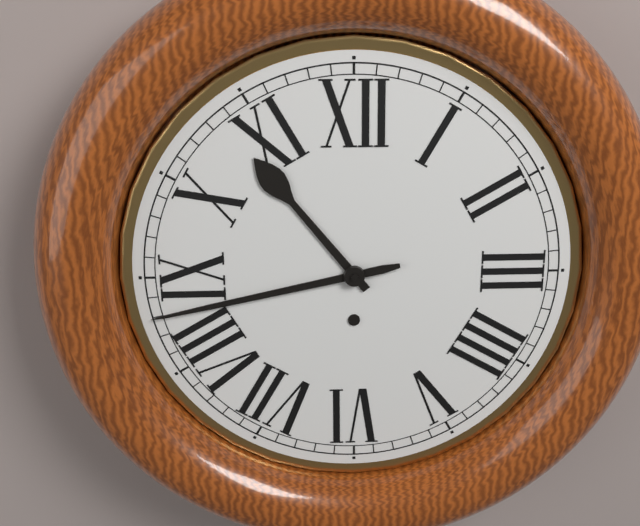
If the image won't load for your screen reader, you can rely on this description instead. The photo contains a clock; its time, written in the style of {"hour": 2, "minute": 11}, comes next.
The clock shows {"hour": 10, "minute": 43}
